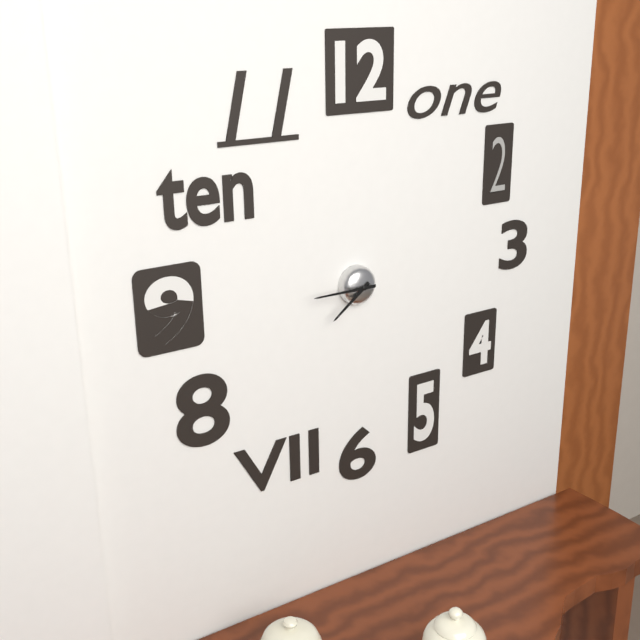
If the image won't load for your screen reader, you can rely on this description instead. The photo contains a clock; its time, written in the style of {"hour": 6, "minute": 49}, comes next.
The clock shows {"hour": 7, "minute": 45}
